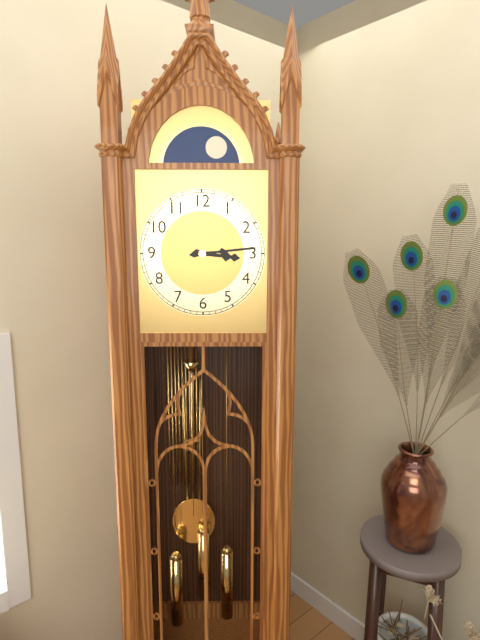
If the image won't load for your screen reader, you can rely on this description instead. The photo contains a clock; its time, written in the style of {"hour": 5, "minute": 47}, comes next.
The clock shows {"hour": 3, "minute": 14}
